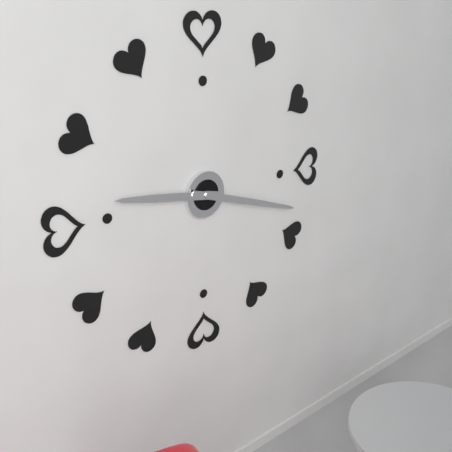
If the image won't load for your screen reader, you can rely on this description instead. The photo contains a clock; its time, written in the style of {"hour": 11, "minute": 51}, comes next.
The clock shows {"hour": 9, "minute": 18}
